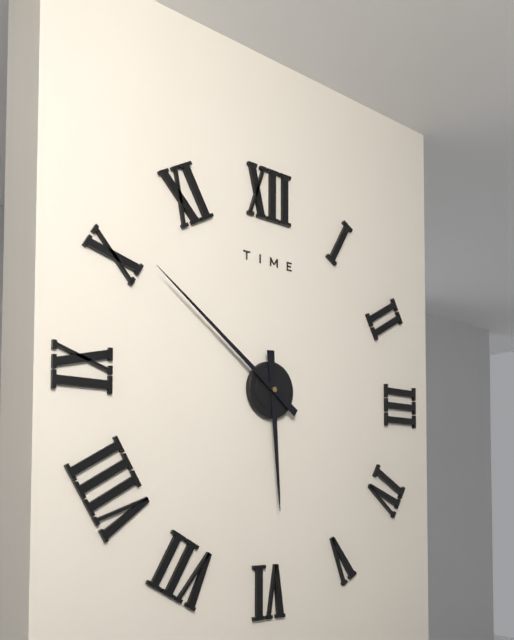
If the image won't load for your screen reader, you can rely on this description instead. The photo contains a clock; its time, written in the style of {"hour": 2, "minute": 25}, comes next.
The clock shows {"hour": 5, "minute": 51}
